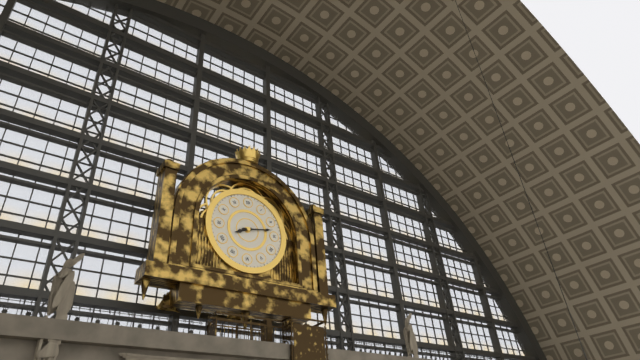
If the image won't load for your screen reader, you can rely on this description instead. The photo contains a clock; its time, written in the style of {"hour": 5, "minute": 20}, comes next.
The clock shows {"hour": 8, "minute": 13}
